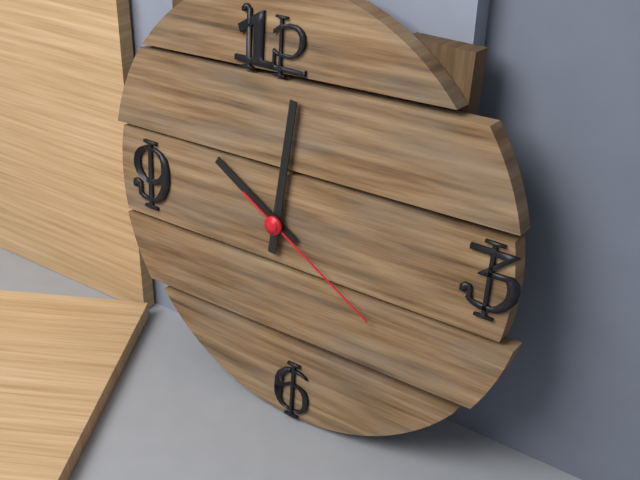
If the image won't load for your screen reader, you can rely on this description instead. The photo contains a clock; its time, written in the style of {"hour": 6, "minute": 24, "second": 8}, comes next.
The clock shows {"hour": 10, "minute": 1, "second": 20}
